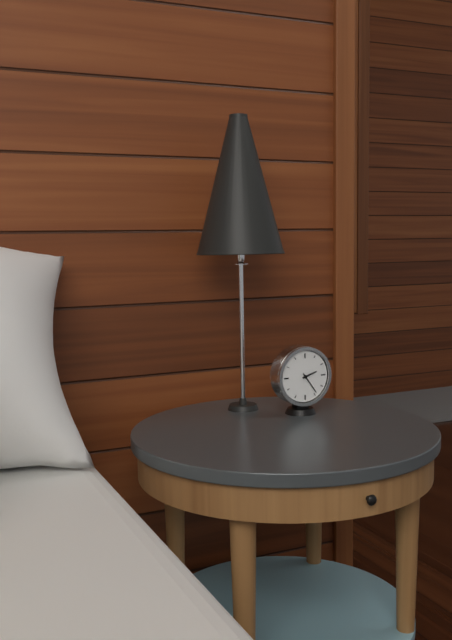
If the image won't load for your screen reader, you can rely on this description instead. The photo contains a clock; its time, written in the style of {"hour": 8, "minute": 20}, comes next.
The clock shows {"hour": 2, "minute": 24}
